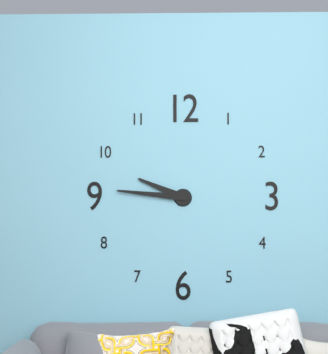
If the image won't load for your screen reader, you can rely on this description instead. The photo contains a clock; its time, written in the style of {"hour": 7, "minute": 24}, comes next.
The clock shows {"hour": 9, "minute": 46}
